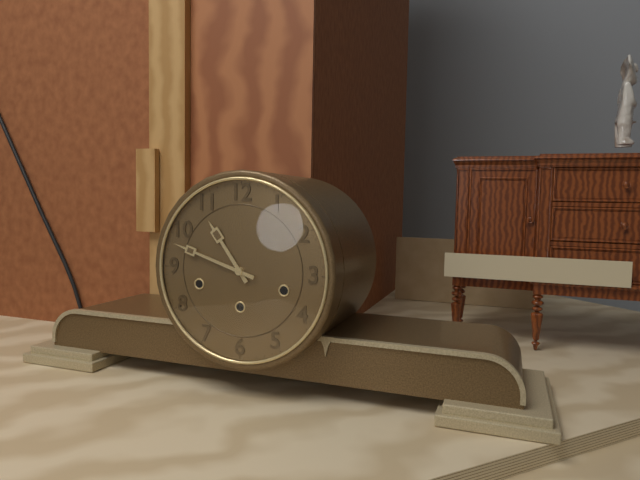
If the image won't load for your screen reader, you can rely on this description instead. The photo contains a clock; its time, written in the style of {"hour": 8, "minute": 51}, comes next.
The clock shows {"hour": 10, "minute": 48}
